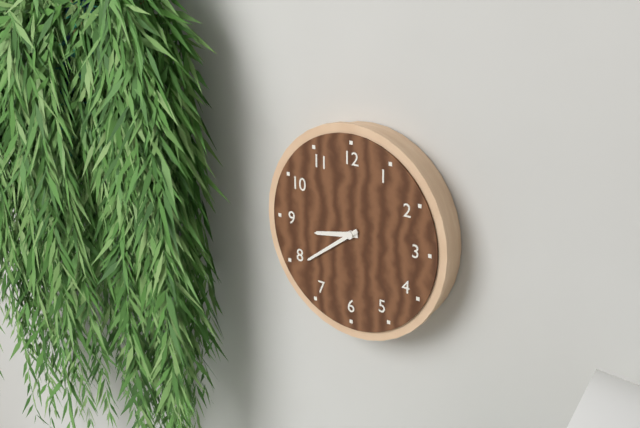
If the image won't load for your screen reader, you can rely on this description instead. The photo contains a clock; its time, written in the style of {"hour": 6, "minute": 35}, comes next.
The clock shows {"hour": 8, "minute": 39}
